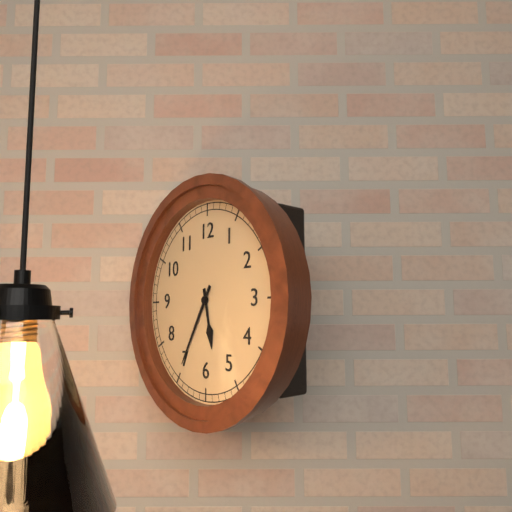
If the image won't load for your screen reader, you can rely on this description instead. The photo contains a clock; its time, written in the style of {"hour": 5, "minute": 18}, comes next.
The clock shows {"hour": 5, "minute": 35}
